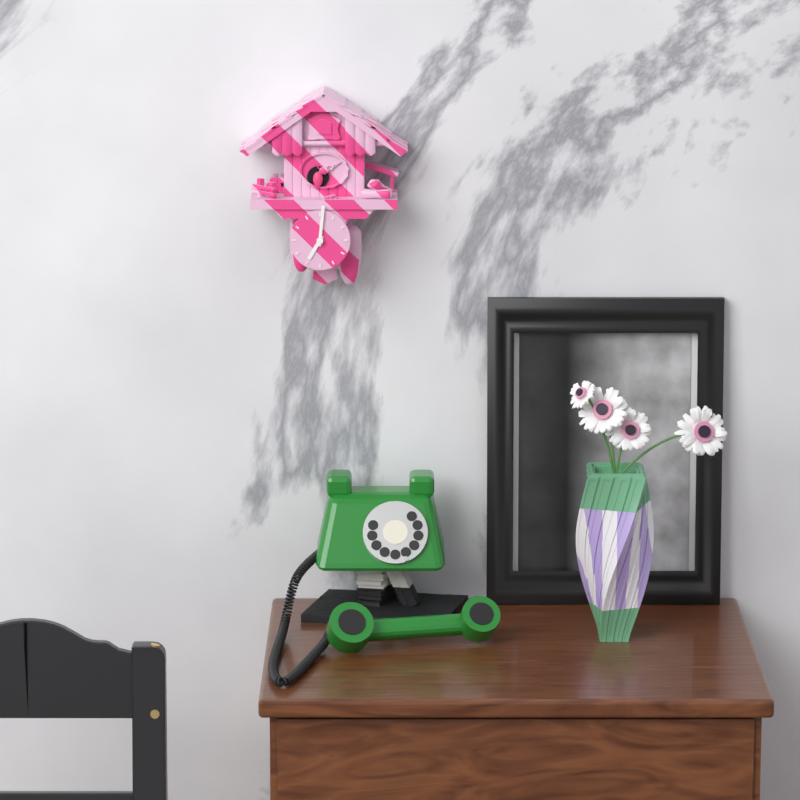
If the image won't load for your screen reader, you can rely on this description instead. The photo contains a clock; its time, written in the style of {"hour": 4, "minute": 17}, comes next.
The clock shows {"hour": 7, "minute": 1}
